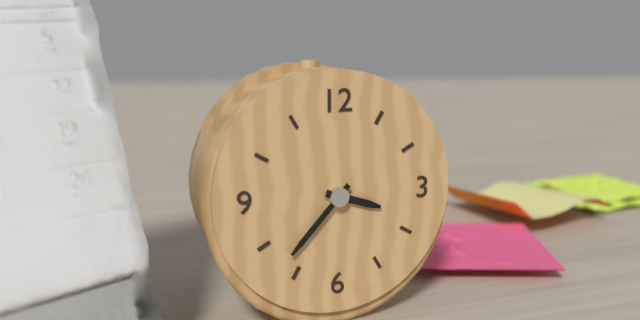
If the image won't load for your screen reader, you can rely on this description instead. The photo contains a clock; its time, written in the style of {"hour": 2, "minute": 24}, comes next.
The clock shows {"hour": 3, "minute": 37}
